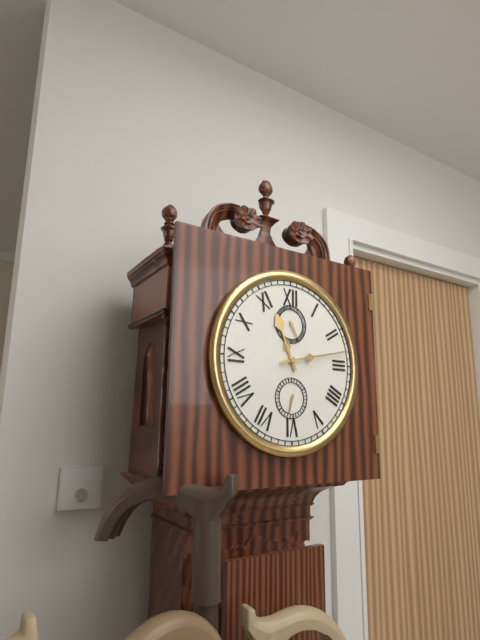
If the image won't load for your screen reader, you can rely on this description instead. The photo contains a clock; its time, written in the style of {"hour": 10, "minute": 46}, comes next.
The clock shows {"hour": 11, "minute": 13}
